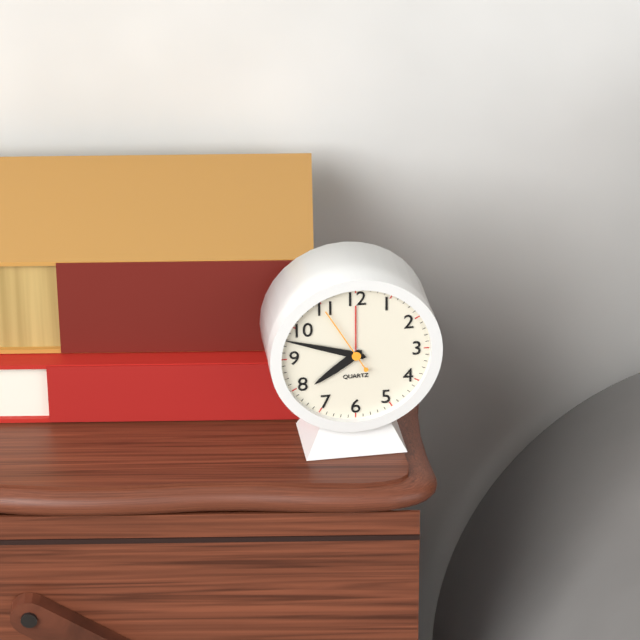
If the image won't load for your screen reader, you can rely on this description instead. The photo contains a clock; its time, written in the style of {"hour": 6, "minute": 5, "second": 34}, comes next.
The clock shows {"hour": 7, "minute": 48, "second": 55}
